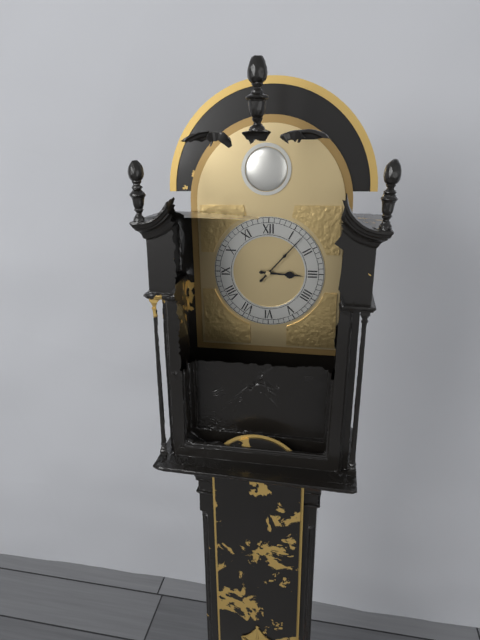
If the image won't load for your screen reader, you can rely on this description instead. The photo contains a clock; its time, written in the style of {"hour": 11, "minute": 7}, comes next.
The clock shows {"hour": 3, "minute": 7}
